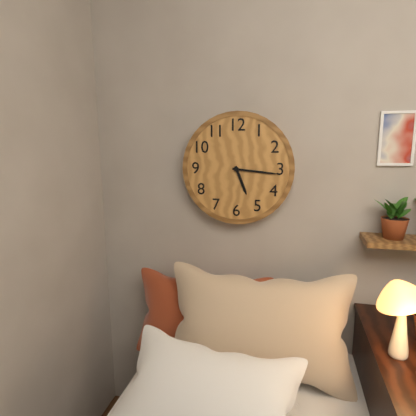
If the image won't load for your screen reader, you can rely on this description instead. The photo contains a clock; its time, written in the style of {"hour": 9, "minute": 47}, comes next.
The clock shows {"hour": 5, "minute": 16}
